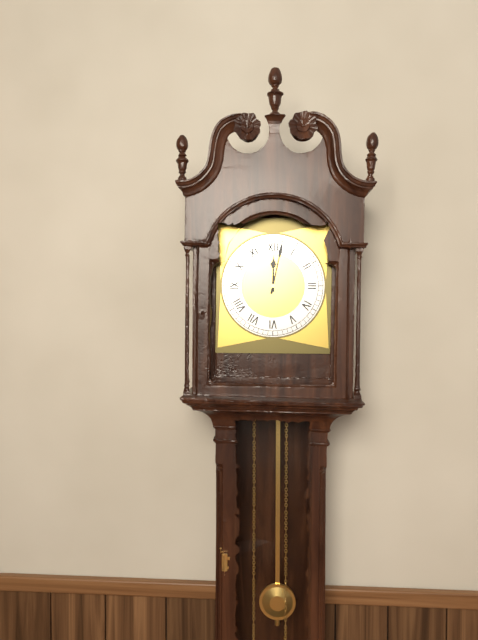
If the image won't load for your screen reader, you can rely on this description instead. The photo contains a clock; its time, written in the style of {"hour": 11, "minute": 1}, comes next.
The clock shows {"hour": 12, "minute": 2}
